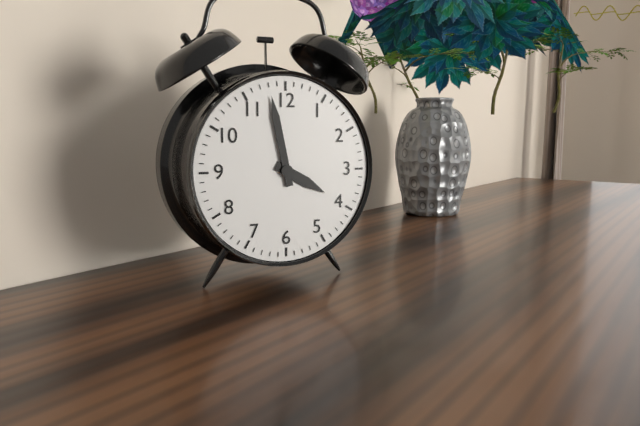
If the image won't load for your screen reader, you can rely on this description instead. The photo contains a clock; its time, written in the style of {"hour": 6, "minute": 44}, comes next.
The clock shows {"hour": 3, "minute": 58}
